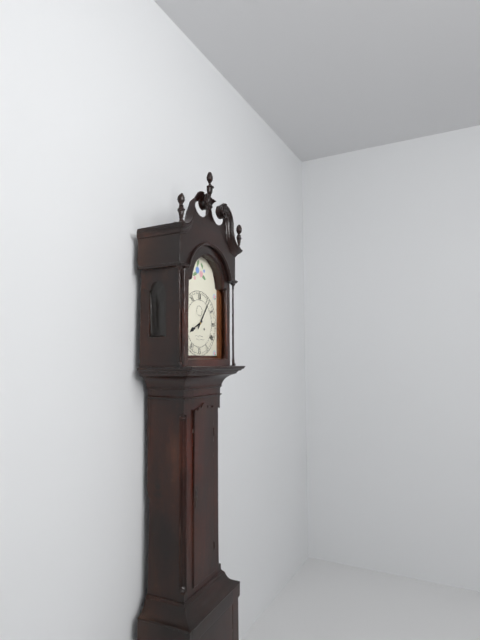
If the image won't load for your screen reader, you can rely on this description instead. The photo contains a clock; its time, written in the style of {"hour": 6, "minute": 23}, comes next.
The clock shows {"hour": 8, "minute": 6}
